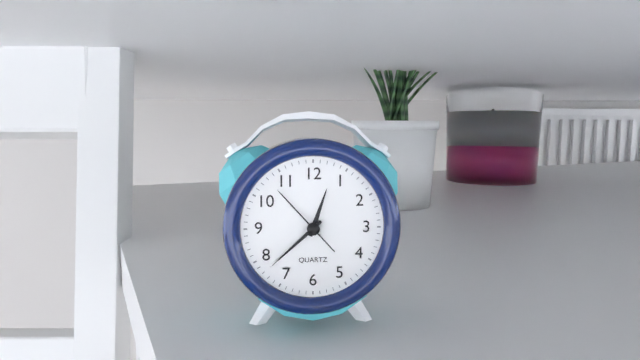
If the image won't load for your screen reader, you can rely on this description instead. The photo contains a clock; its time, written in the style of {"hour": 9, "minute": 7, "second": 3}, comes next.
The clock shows {"hour": 12, "minute": 38, "second": 53}
